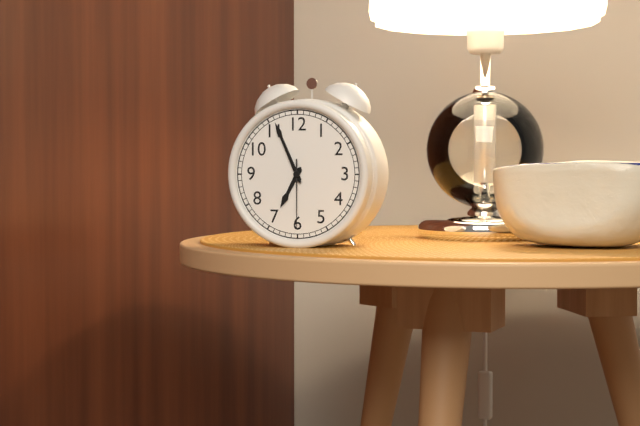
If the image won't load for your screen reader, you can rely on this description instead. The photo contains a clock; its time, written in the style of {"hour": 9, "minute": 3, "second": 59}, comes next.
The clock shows {"hour": 6, "minute": 56, "second": 30}
